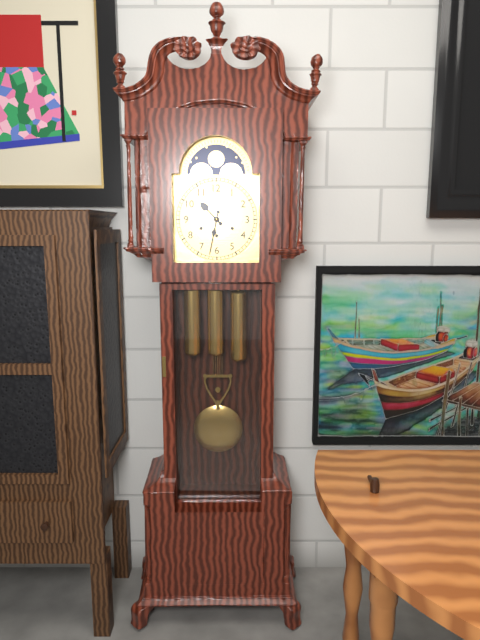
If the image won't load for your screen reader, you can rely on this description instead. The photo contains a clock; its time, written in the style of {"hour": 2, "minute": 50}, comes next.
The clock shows {"hour": 10, "minute": 32}
